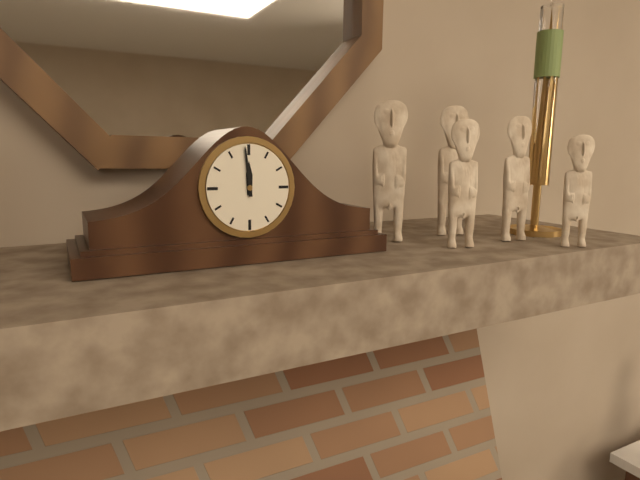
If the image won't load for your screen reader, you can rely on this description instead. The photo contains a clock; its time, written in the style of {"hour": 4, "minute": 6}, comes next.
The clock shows {"hour": 11, "minute": 59}
